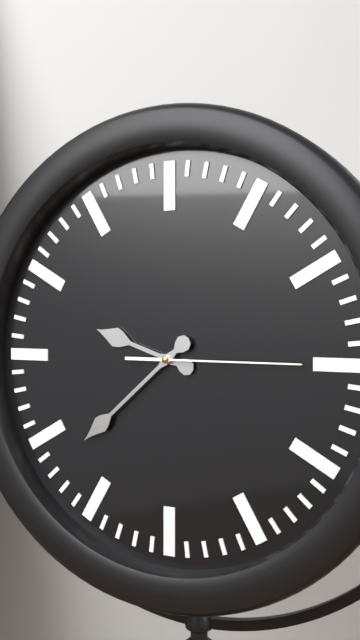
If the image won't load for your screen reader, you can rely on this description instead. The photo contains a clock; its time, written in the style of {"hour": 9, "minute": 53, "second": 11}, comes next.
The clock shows {"hour": 9, "minute": 38, "second": 15}
